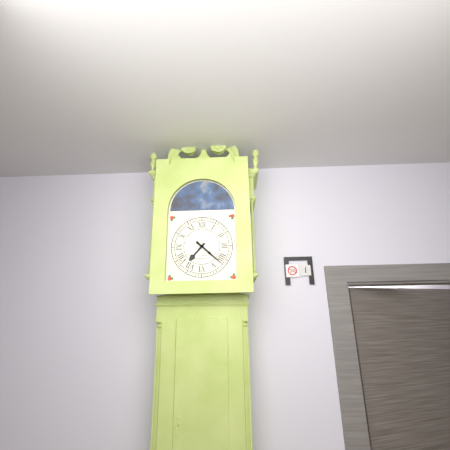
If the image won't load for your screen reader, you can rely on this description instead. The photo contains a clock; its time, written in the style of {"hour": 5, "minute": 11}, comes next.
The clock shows {"hour": 7, "minute": 22}
